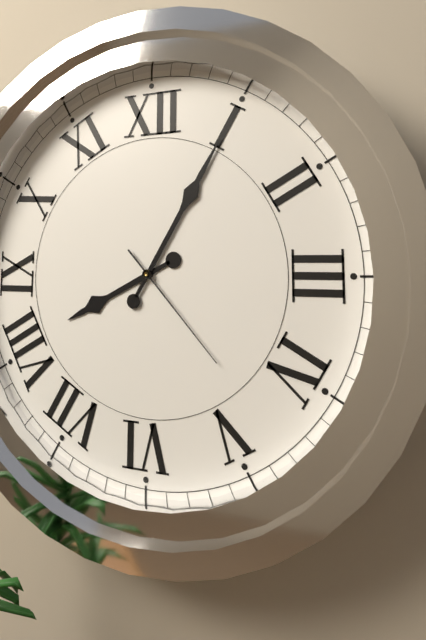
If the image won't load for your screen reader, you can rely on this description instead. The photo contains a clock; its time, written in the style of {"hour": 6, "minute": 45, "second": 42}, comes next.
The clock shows {"hour": 8, "minute": 5, "second": 23}
